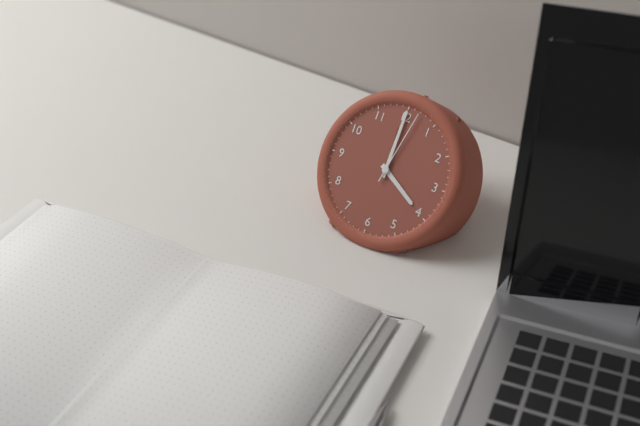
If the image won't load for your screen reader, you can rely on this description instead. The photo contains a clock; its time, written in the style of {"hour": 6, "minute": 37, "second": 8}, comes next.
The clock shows {"hour": 4, "minute": 0, "second": 2}
